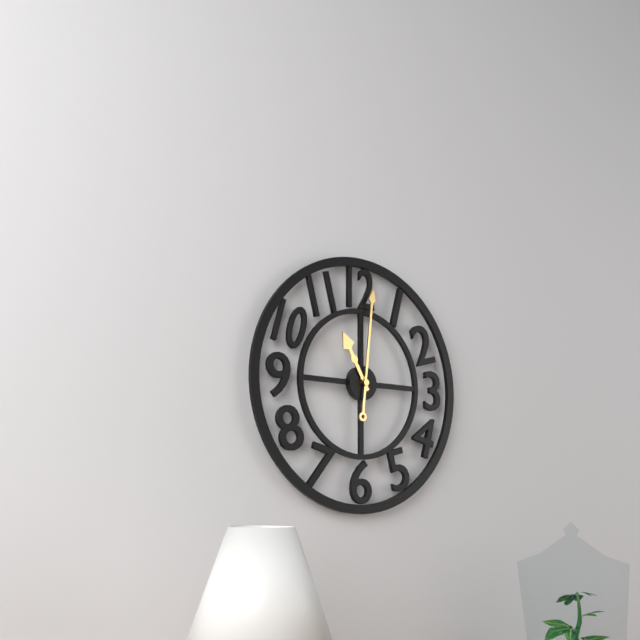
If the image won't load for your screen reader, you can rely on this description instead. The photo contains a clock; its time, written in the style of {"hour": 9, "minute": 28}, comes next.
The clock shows {"hour": 11, "minute": 1}
